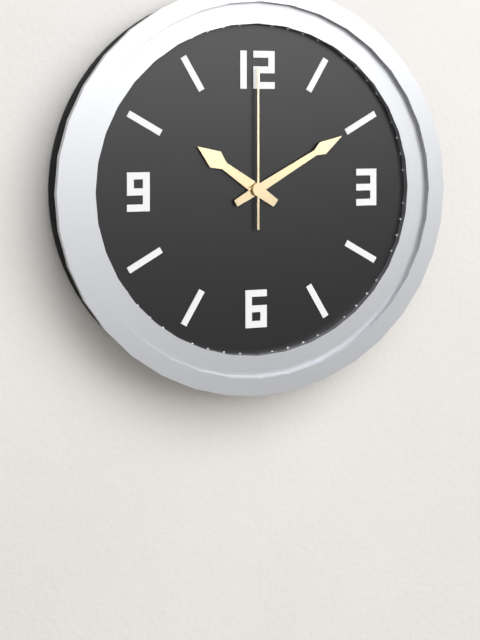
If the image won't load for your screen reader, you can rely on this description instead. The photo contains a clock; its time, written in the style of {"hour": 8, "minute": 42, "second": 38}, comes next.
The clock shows {"hour": 10, "minute": 10, "second": 0}
